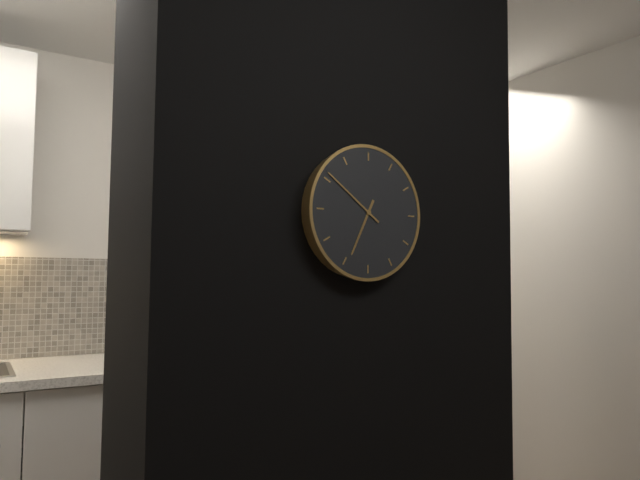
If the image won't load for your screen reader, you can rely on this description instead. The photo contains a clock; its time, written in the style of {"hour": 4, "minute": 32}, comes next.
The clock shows {"hour": 6, "minute": 51}
